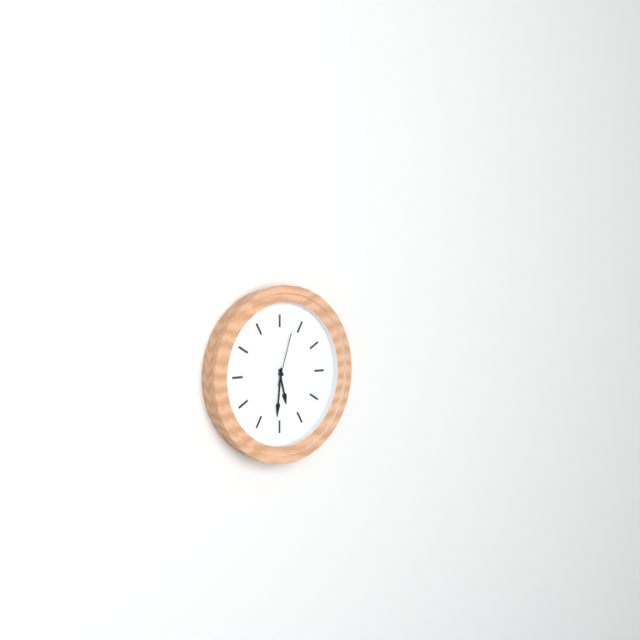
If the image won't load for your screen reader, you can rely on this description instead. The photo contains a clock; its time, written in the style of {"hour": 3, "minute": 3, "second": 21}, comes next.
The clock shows {"hour": 5, "minute": 31, "second": 3}
